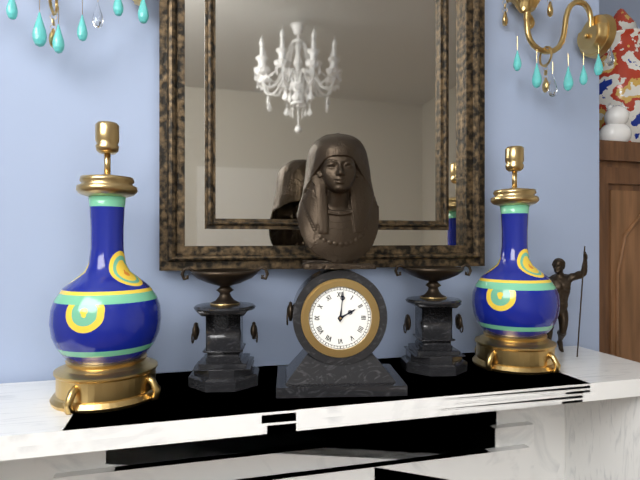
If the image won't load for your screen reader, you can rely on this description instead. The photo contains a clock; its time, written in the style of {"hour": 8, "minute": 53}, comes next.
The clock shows {"hour": 2, "minute": 1}
